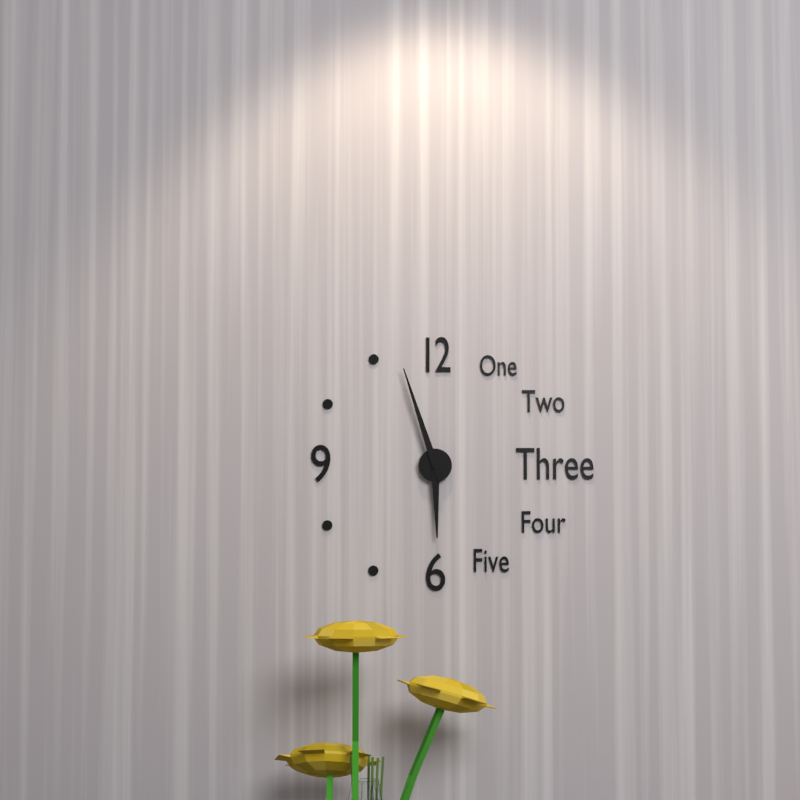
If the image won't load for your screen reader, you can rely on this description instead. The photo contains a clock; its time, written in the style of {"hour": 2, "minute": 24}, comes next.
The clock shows {"hour": 5, "minute": 57}
